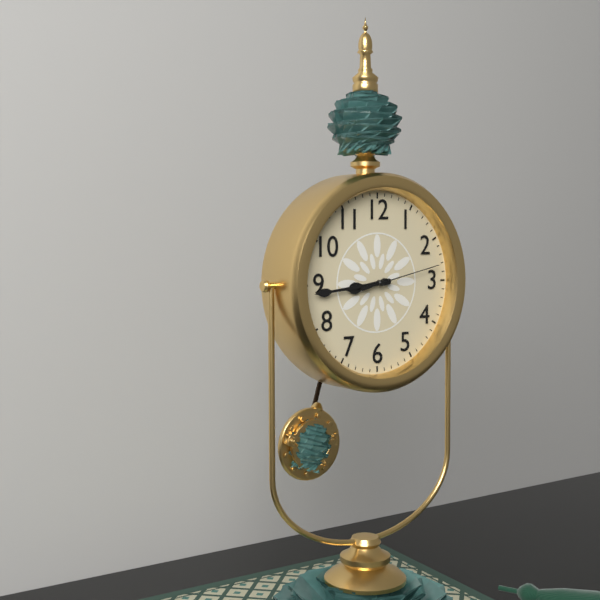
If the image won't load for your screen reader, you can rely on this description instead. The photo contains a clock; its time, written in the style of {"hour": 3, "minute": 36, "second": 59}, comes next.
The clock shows {"hour": 8, "minute": 44, "second": 13}
